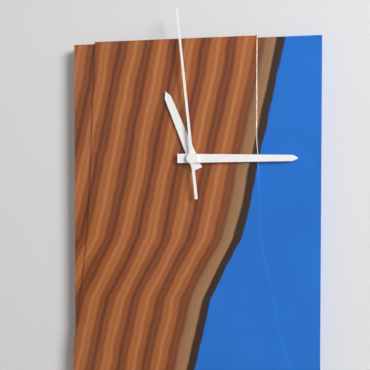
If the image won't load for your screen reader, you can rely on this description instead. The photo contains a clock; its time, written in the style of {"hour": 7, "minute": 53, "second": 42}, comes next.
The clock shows {"hour": 11, "minute": 15, "second": 59}
